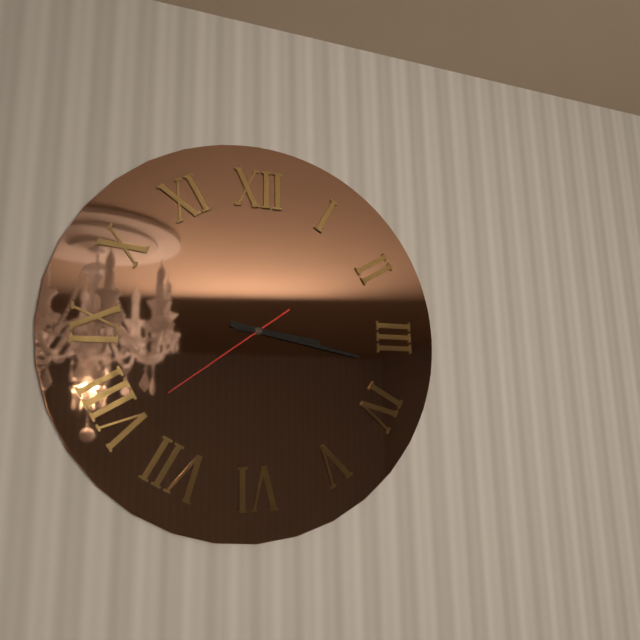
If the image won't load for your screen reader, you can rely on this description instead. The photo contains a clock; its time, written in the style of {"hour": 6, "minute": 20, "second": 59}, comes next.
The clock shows {"hour": 3, "minute": 17, "second": 39}
